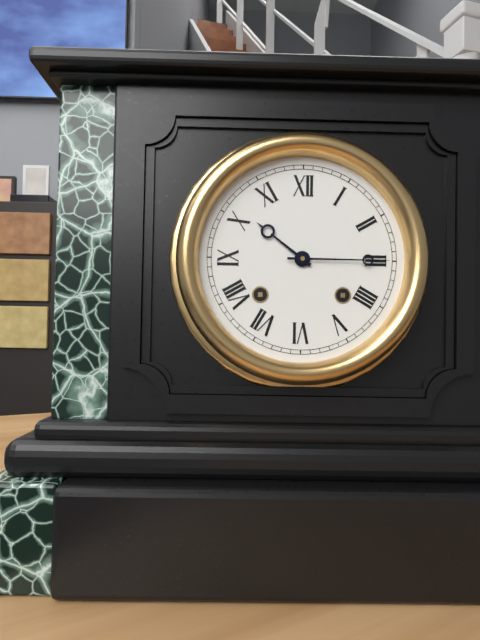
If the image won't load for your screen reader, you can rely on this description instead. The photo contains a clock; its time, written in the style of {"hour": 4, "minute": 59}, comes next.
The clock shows {"hour": 10, "minute": 15}
